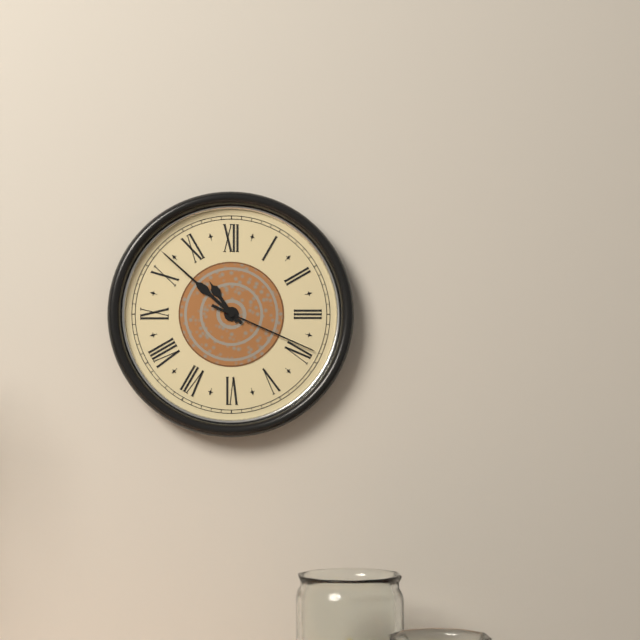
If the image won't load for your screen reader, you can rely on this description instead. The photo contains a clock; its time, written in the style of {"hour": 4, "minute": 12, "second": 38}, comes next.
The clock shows {"hour": 10, "minute": 52, "second": 19}
